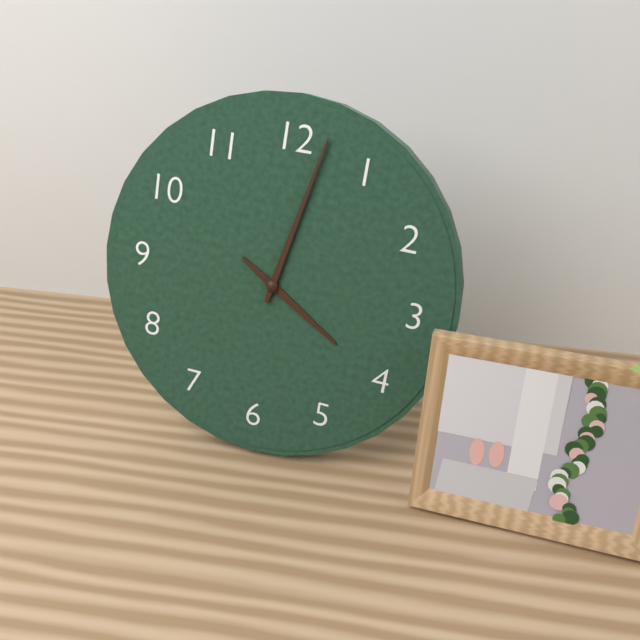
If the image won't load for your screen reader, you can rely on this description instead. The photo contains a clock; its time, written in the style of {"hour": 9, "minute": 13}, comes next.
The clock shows {"hour": 4, "minute": 2}
